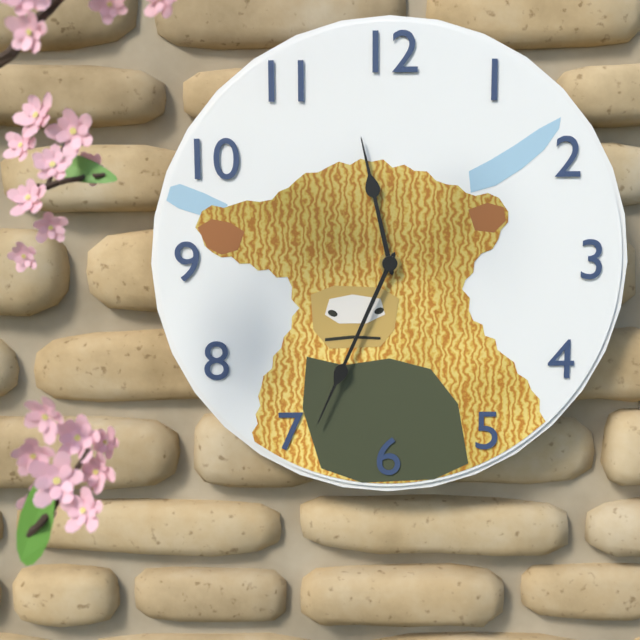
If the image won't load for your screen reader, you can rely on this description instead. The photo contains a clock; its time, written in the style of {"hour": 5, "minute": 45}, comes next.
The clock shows {"hour": 11, "minute": 34}
